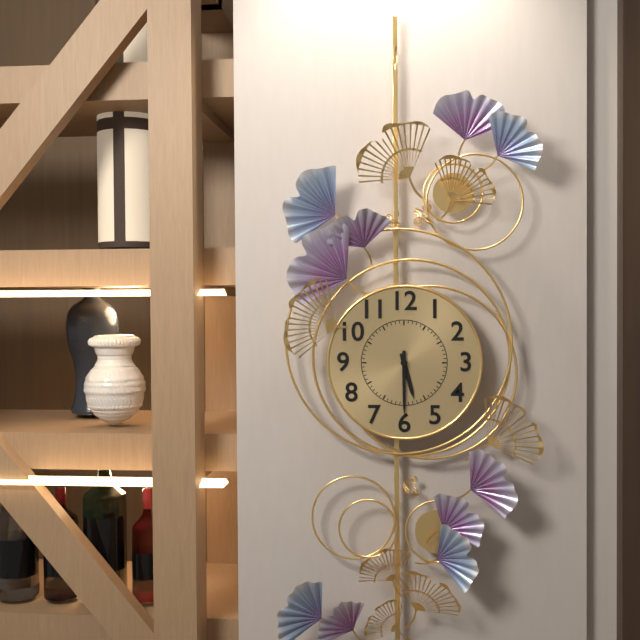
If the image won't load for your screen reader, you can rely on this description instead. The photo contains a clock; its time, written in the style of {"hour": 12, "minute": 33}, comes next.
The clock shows {"hour": 5, "minute": 30}
